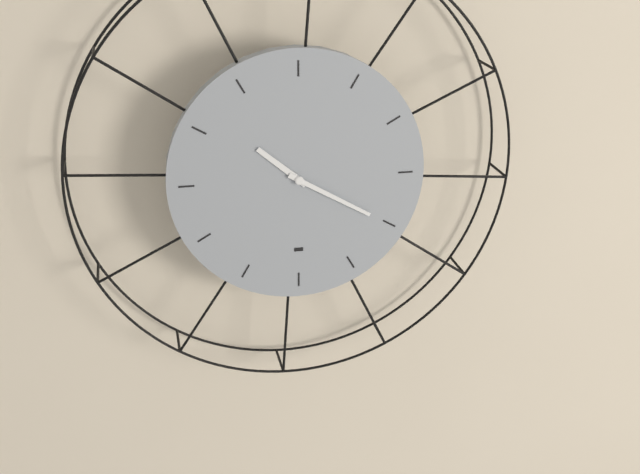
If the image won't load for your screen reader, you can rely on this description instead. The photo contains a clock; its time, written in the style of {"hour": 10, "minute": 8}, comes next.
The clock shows {"hour": 10, "minute": 20}
